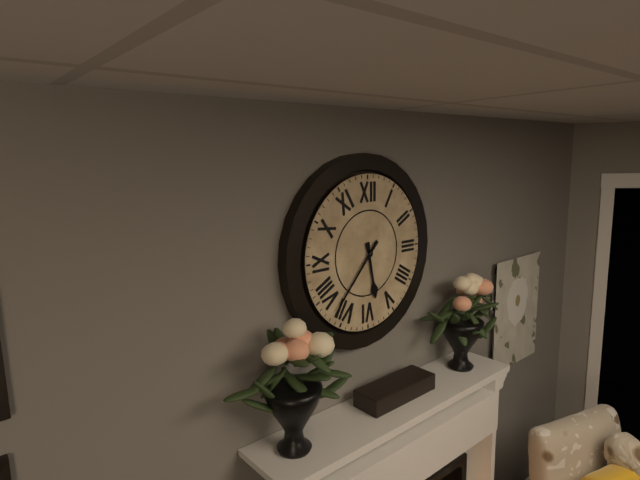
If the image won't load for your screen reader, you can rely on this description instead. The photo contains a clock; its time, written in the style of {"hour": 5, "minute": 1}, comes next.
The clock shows {"hour": 5, "minute": 37}
